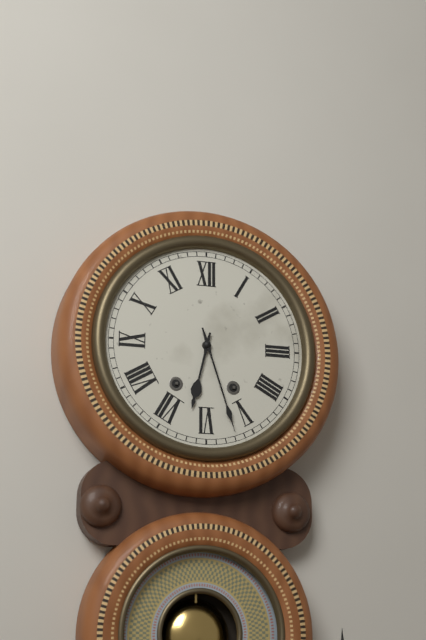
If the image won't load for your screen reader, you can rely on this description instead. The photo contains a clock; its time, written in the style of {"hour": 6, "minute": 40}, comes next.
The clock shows {"hour": 6, "minute": 27}
